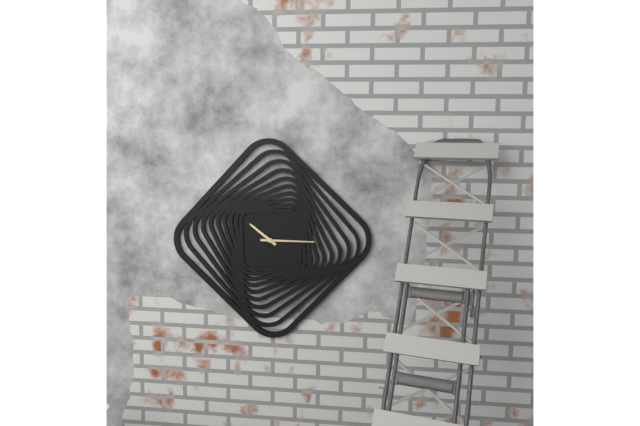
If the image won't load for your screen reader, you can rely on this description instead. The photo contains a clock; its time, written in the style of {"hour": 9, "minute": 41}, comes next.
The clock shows {"hour": 10, "minute": 15}
